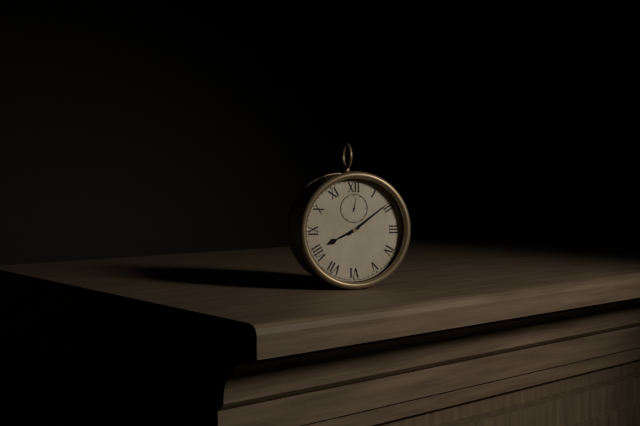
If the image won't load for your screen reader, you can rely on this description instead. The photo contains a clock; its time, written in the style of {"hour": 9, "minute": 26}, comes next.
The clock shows {"hour": 8, "minute": 9}
